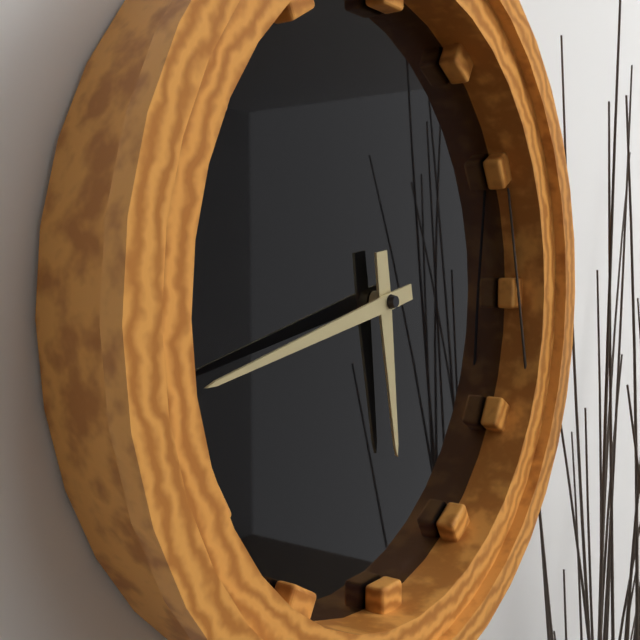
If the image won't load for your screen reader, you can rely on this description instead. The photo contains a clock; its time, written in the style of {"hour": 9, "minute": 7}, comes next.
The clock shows {"hour": 5, "minute": 43}
